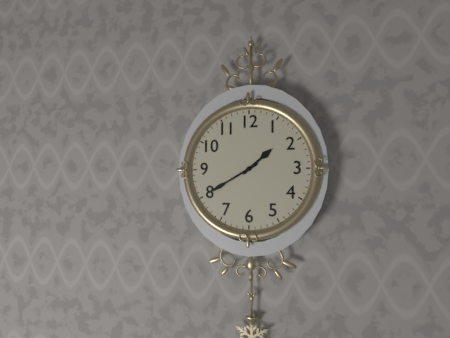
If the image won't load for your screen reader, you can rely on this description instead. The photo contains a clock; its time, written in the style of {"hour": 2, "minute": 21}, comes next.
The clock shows {"hour": 1, "minute": 40}
